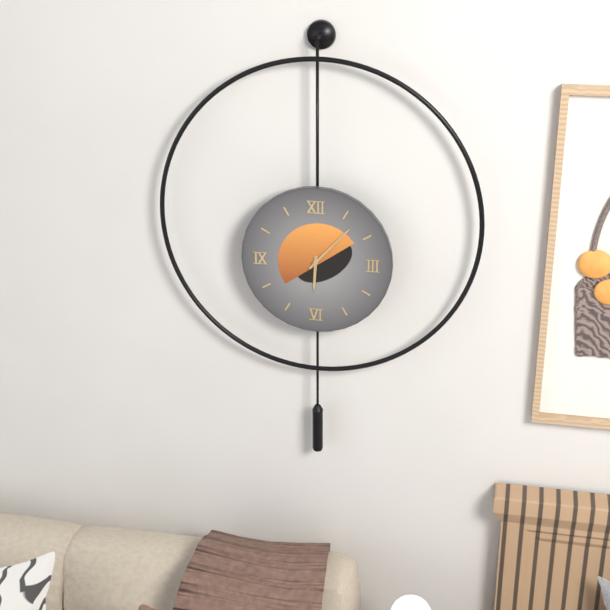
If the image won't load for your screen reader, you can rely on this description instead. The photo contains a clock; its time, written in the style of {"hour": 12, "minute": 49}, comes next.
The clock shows {"hour": 6, "minute": 7}
